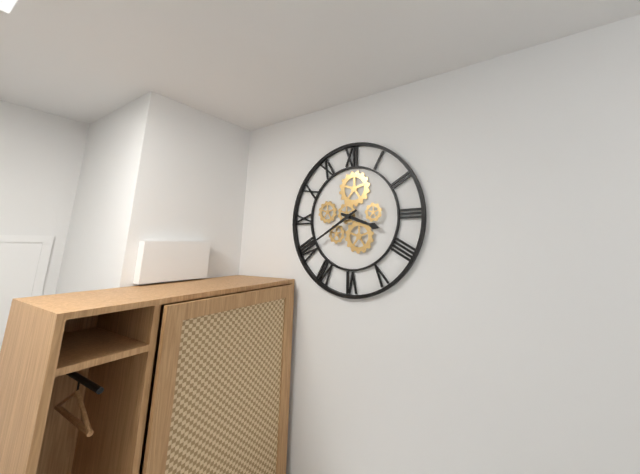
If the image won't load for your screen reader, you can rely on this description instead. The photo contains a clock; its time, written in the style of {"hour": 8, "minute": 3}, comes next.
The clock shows {"hour": 3, "minute": 40}
